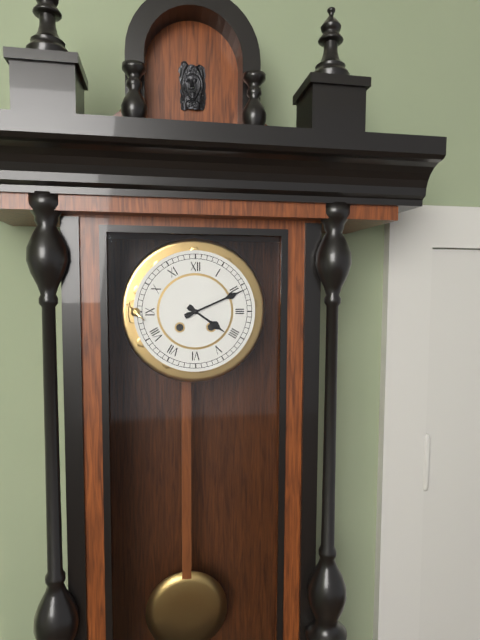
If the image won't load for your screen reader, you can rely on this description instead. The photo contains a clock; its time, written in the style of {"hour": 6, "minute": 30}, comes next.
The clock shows {"hour": 4, "minute": 11}
